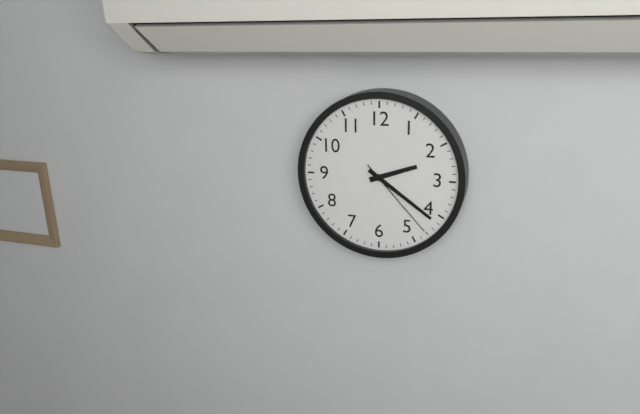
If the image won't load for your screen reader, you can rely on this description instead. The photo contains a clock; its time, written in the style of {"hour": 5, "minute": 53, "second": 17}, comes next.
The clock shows {"hour": 2, "minute": 21, "second": 23}
